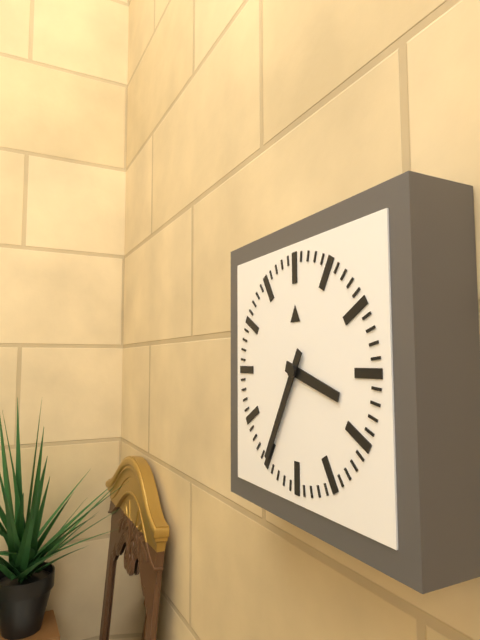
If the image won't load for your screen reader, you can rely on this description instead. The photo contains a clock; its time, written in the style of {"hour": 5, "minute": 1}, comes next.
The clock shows {"hour": 3, "minute": 35}
